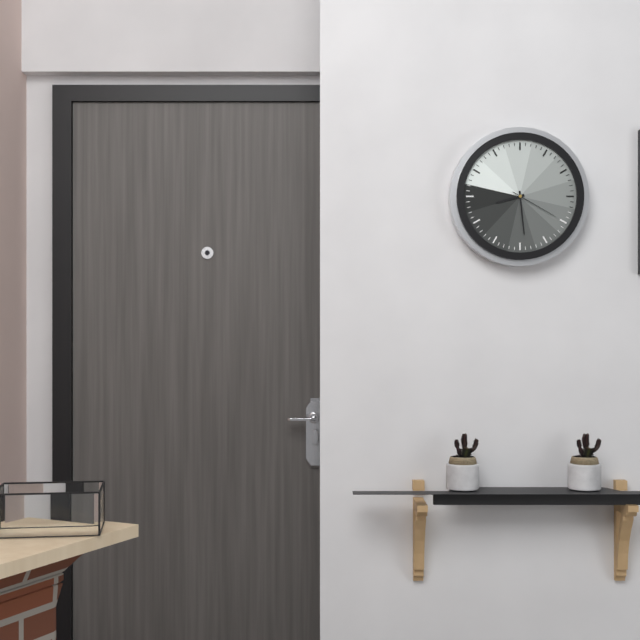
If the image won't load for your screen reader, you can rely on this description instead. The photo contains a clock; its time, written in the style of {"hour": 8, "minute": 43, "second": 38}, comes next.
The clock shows {"hour": 8, "minute": 29, "second": 20}
